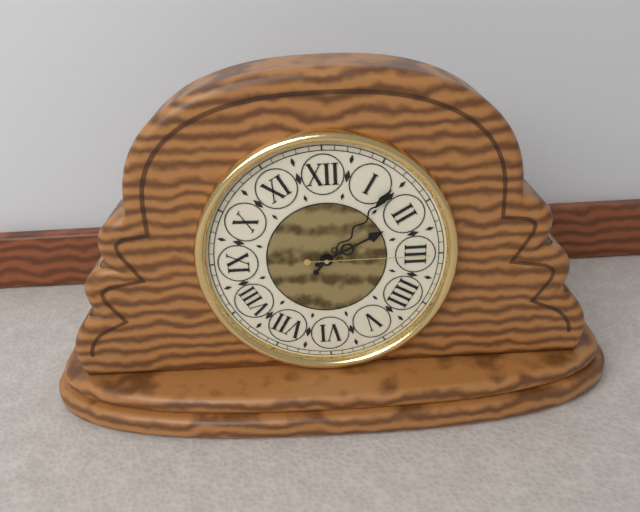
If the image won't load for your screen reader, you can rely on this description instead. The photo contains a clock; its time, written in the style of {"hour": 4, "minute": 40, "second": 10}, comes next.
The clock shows {"hour": 2, "minute": 7, "second": 15}
